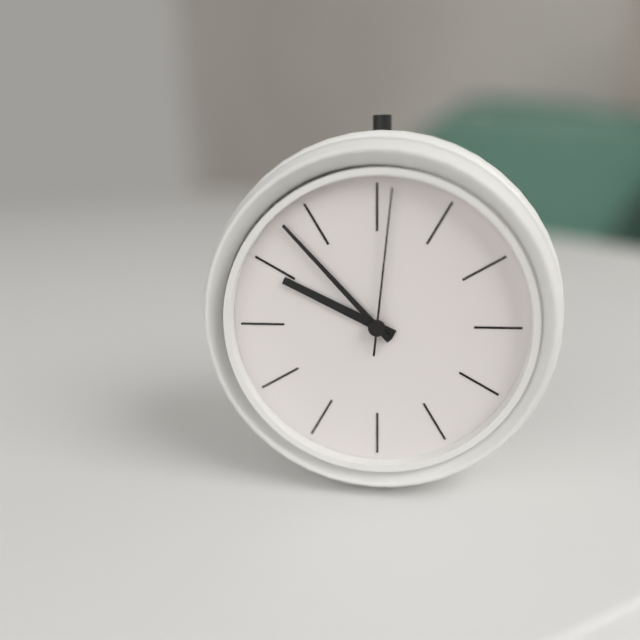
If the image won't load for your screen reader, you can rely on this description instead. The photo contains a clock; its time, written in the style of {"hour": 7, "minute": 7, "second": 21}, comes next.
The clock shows {"hour": 9, "minute": 53, "second": 1}
